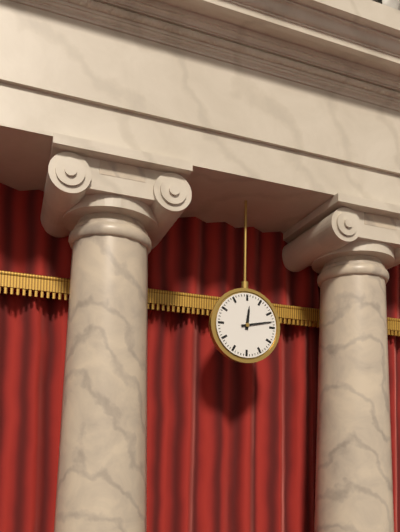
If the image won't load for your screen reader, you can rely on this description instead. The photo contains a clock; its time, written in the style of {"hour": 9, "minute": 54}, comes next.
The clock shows {"hour": 12, "minute": 13}
